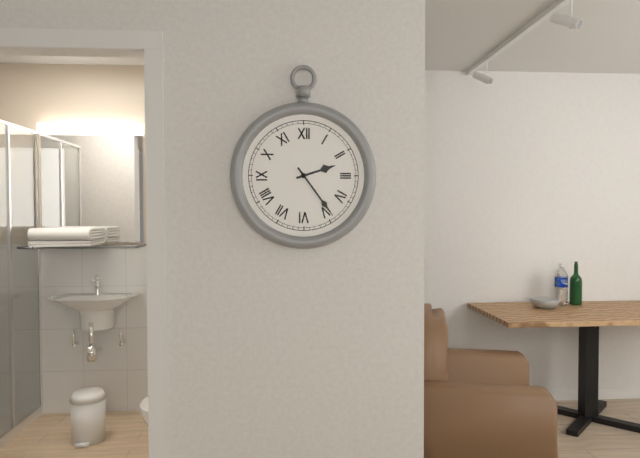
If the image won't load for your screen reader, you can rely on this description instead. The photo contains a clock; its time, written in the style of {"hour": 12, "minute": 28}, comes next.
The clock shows {"hour": 2, "minute": 24}
